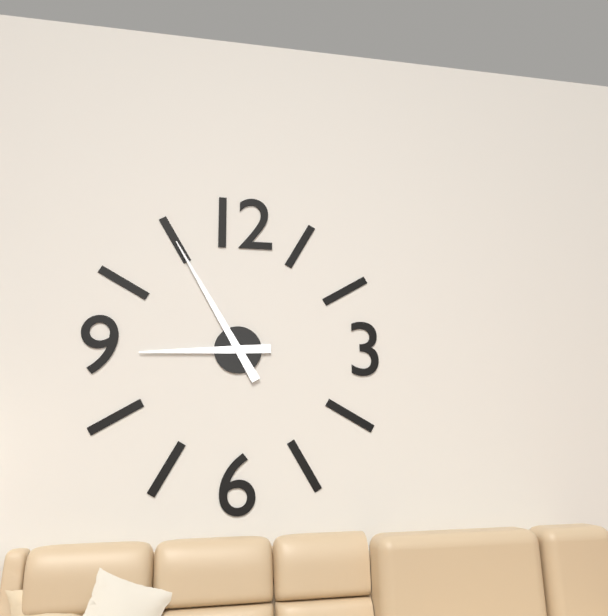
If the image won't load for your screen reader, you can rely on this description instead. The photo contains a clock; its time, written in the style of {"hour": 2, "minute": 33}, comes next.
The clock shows {"hour": 8, "minute": 55}
